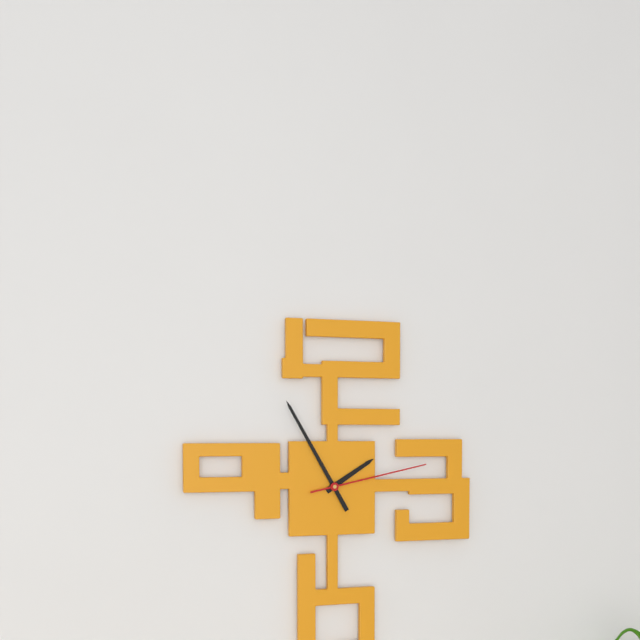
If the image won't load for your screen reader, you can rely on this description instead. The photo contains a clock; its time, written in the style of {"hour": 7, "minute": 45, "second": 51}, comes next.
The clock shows {"hour": 1, "minute": 55, "second": 13}
